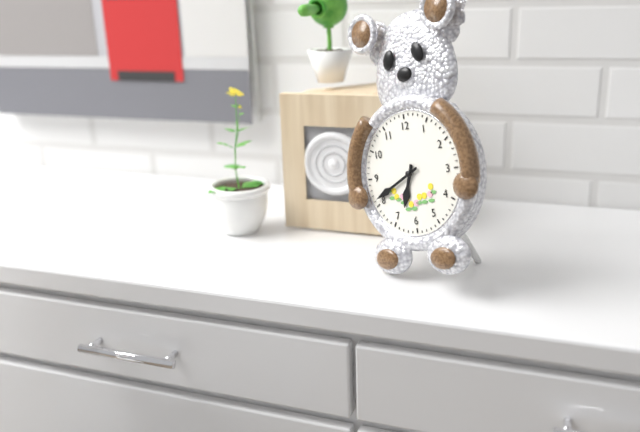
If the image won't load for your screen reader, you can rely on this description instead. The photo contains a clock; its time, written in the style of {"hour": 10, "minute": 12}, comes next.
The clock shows {"hour": 6, "minute": 41}
